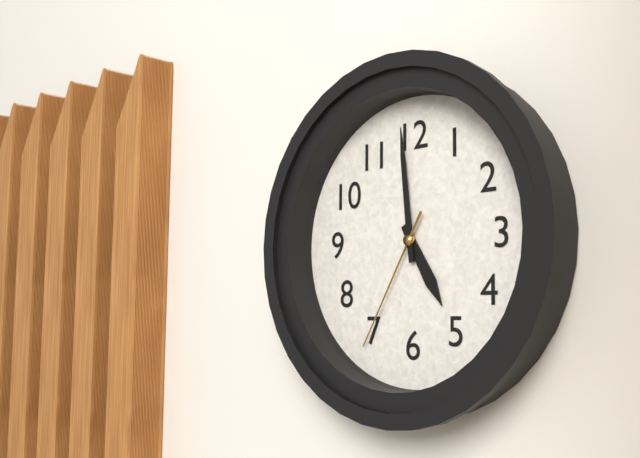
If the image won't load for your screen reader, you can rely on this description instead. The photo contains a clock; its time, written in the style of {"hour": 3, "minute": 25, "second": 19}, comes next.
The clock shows {"hour": 4, "minute": 59, "second": 35}
